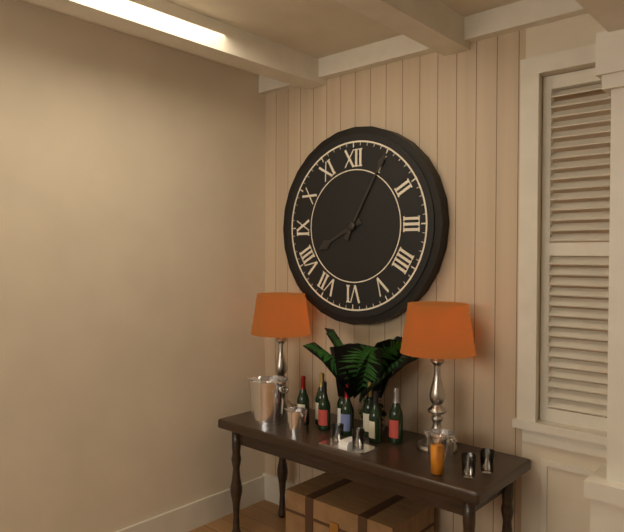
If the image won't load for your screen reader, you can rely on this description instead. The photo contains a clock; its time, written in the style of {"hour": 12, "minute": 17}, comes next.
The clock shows {"hour": 8, "minute": 5}
